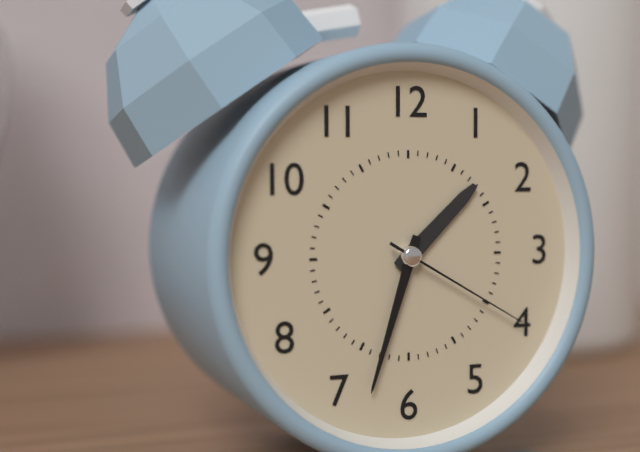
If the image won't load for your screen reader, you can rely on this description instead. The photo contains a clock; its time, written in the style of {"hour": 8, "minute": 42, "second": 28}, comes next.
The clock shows {"hour": 1, "minute": 33, "second": 20}
